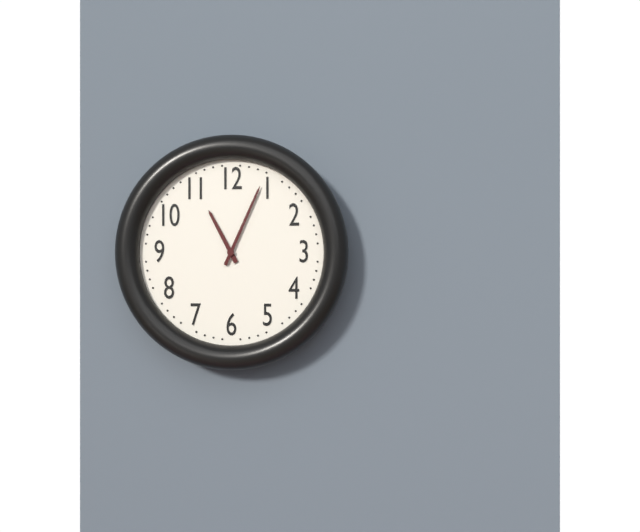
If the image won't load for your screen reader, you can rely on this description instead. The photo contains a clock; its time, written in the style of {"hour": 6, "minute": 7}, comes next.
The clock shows {"hour": 11, "minute": 4}
